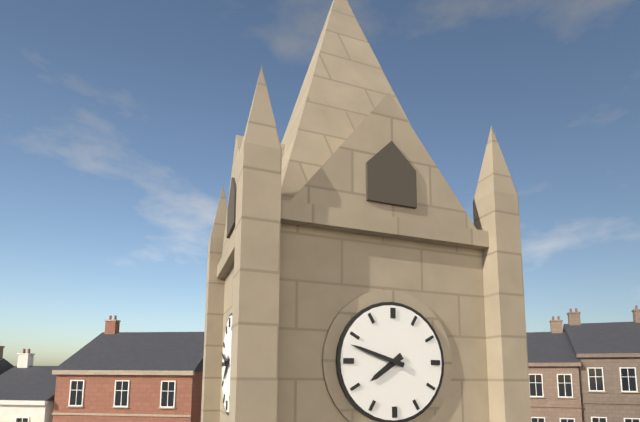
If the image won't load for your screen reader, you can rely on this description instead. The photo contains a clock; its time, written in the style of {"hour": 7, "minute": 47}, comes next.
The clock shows {"hour": 7, "minute": 48}
